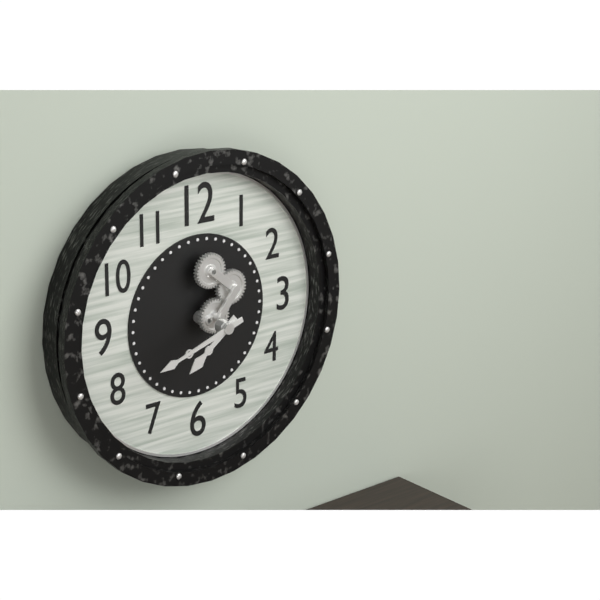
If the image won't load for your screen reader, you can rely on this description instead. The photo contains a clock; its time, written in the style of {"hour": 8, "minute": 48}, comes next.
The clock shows {"hour": 7, "minute": 42}
